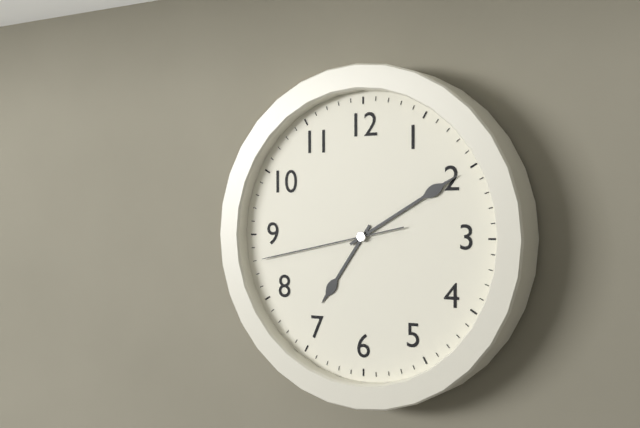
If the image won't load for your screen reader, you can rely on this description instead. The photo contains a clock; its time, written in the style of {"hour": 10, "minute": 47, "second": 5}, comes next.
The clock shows {"hour": 7, "minute": 10, "second": 43}
